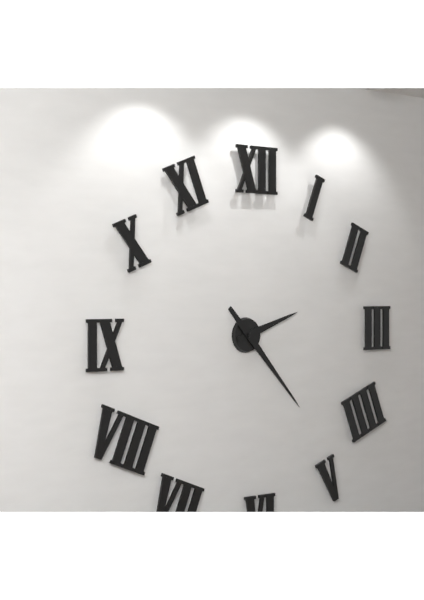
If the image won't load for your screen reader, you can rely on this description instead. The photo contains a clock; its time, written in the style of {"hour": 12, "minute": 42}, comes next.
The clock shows {"hour": 2, "minute": 23}
